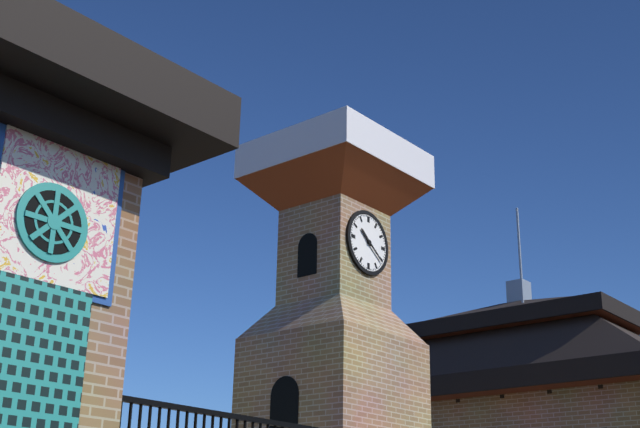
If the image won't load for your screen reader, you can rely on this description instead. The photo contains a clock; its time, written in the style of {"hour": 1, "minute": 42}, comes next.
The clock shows {"hour": 10, "minute": 21}
